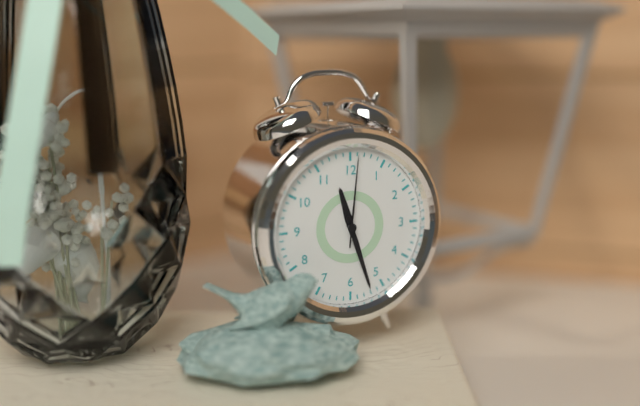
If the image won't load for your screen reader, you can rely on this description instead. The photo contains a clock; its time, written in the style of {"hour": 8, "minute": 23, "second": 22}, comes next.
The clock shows {"hour": 11, "minute": 27, "second": 1}
